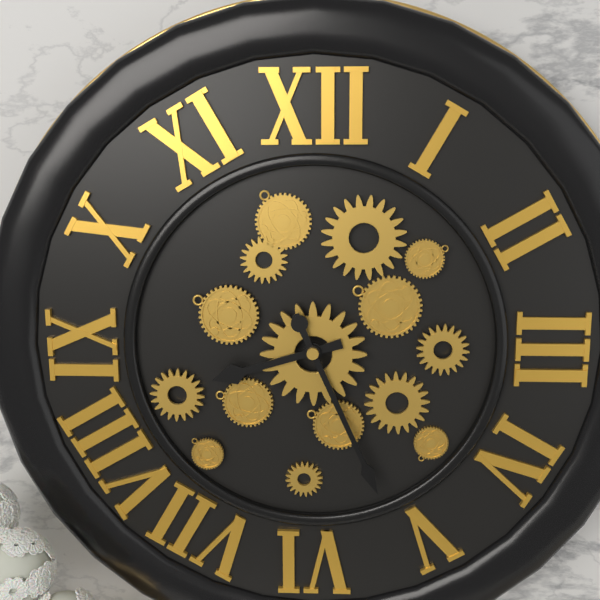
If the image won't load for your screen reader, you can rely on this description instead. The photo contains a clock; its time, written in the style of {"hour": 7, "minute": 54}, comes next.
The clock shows {"hour": 8, "minute": 26}
